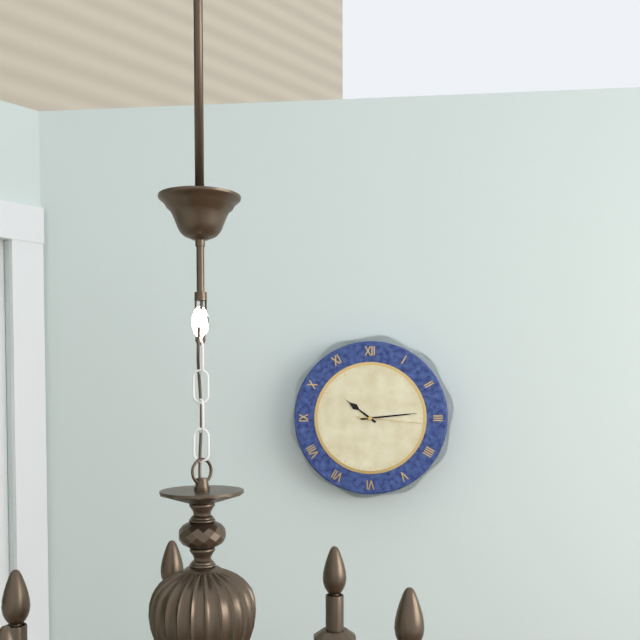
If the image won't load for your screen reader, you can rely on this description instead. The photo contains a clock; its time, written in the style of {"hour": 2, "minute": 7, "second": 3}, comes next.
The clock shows {"hour": 10, "minute": 14, "second": 16}
